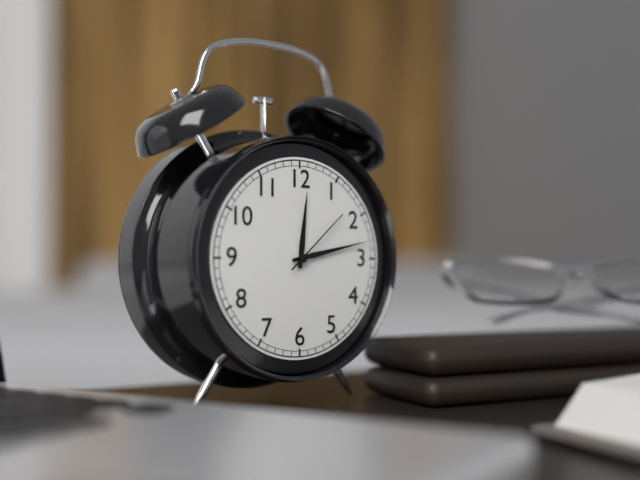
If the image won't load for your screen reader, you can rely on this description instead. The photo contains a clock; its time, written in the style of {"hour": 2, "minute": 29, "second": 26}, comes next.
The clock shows {"hour": 12, "minute": 13, "second": 8}
